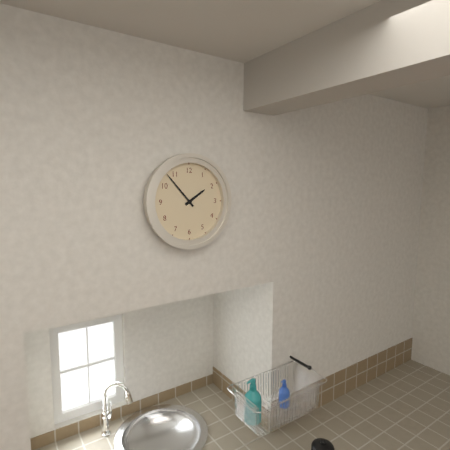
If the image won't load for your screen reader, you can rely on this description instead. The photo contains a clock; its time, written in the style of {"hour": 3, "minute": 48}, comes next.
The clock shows {"hour": 1, "minute": 53}
